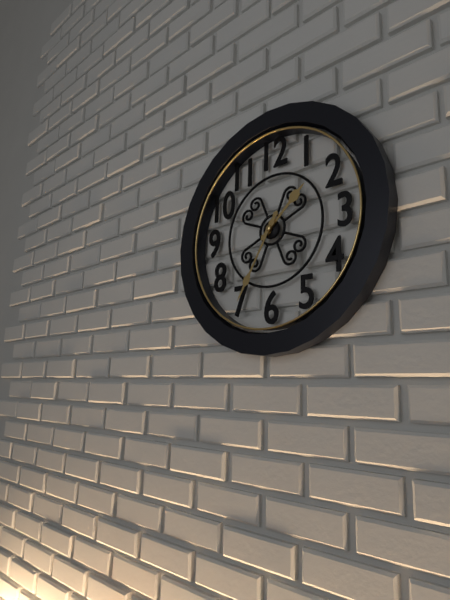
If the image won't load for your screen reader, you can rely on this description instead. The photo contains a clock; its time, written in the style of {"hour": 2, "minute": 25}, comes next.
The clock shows {"hour": 1, "minute": 35}
